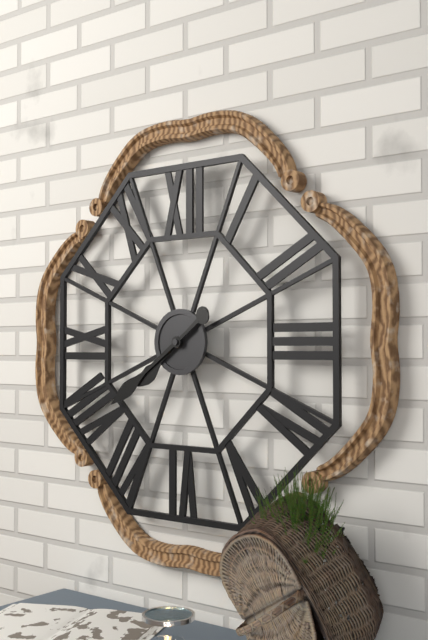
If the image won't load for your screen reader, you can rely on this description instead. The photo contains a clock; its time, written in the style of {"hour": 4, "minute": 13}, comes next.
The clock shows {"hour": 7, "minute": 39}
